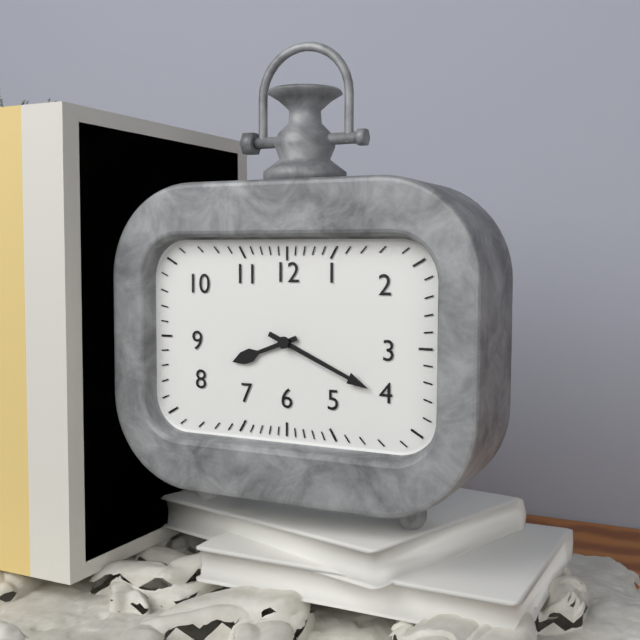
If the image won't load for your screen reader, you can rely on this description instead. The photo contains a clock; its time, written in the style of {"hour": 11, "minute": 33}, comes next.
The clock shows {"hour": 8, "minute": 19}
